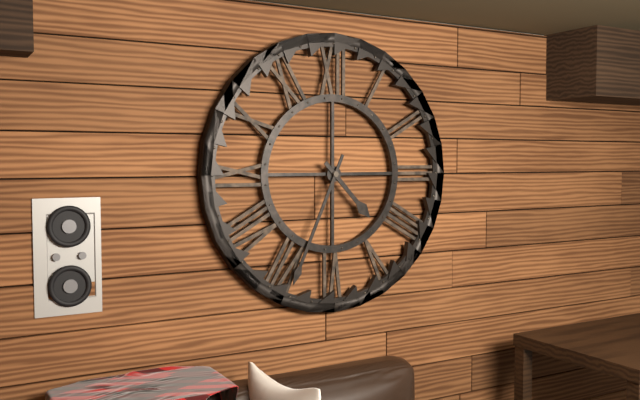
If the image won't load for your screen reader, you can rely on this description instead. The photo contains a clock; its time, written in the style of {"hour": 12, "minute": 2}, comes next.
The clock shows {"hour": 4, "minute": 34}
